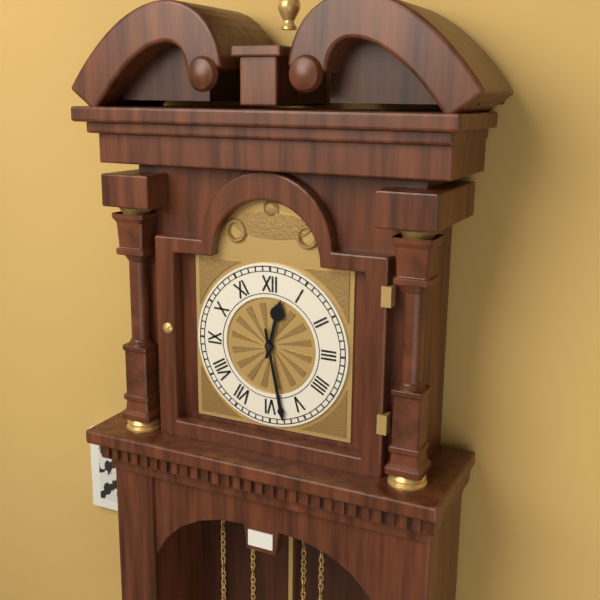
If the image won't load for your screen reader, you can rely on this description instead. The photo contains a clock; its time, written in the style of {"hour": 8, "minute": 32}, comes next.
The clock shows {"hour": 12, "minute": 28}
